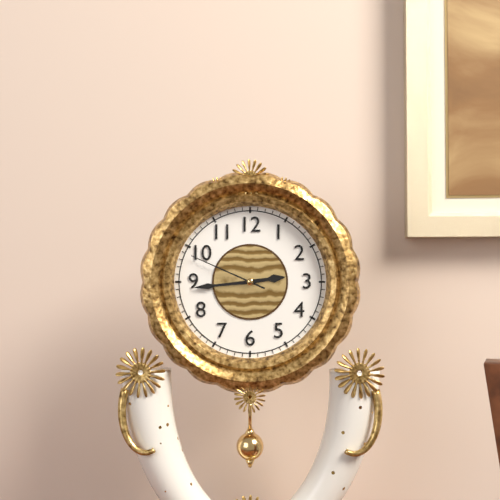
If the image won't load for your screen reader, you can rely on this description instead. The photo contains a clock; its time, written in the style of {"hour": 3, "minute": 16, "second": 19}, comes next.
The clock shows {"hour": 2, "minute": 44, "second": 49}
